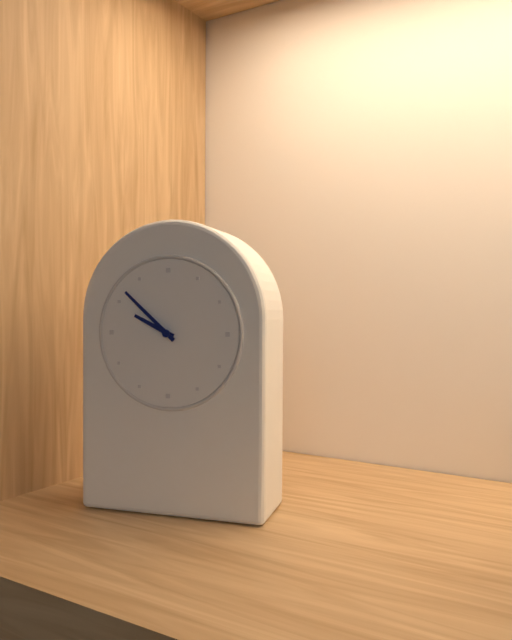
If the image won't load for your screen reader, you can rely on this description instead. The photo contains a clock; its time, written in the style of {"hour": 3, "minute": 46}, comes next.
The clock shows {"hour": 9, "minute": 52}
